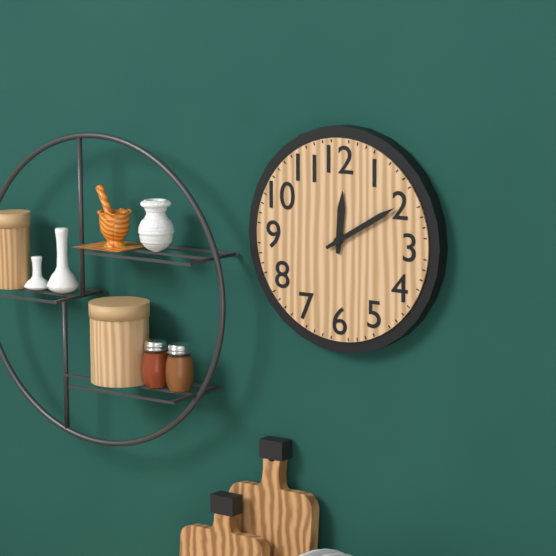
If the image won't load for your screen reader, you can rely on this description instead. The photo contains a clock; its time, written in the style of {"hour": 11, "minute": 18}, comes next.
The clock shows {"hour": 12, "minute": 10}
